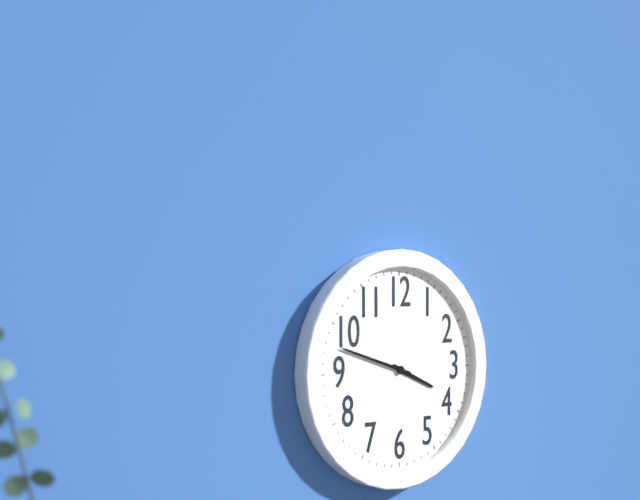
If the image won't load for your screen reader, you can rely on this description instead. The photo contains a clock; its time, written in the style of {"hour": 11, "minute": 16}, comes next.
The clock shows {"hour": 3, "minute": 48}
